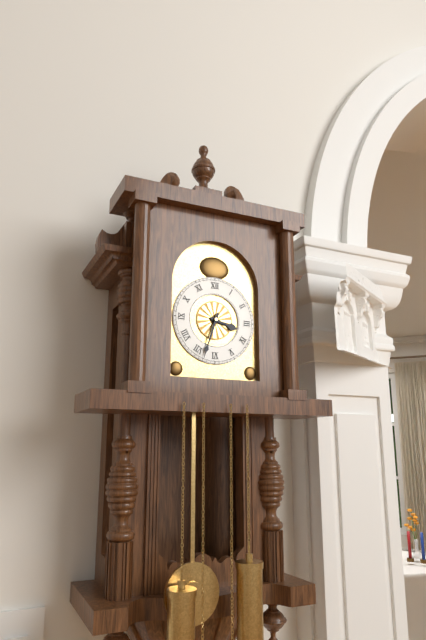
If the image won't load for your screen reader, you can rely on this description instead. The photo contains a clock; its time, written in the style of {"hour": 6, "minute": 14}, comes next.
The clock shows {"hour": 3, "minute": 33}
